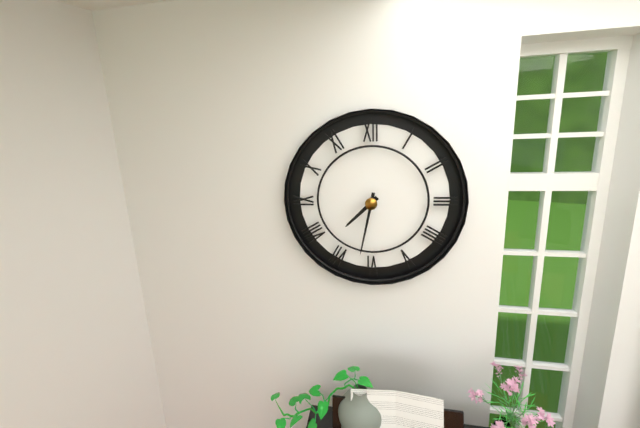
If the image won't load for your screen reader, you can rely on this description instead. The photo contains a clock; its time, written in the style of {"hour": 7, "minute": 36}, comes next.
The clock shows {"hour": 7, "minute": 32}
